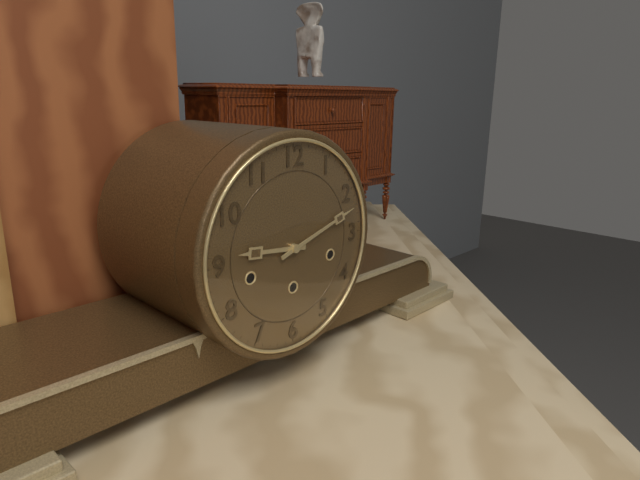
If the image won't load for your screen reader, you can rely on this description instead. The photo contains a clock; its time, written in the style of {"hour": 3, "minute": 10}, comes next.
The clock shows {"hour": 9, "minute": 12}
